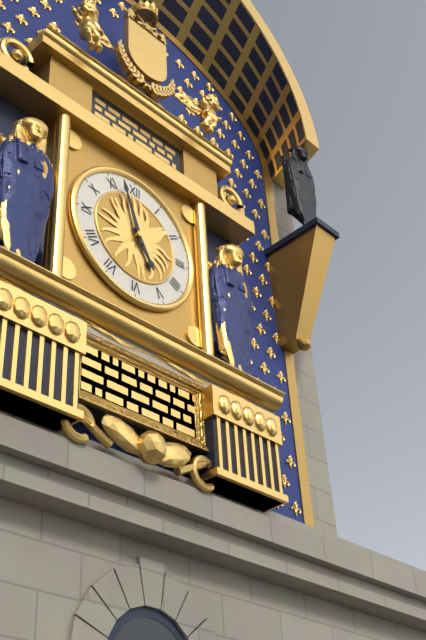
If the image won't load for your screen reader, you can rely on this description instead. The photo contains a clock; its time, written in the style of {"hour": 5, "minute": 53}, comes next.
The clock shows {"hour": 4, "minute": 57}
